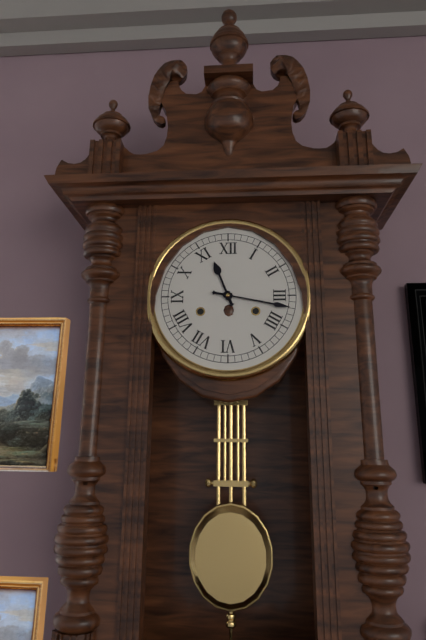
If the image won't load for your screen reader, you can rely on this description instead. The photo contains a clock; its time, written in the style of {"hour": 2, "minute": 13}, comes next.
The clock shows {"hour": 11, "minute": 17}
